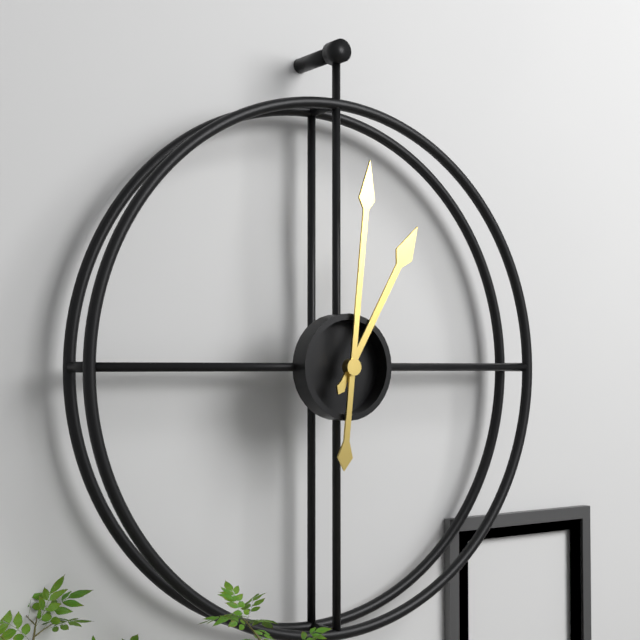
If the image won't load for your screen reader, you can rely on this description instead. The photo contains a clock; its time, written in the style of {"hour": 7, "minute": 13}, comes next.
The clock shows {"hour": 1, "minute": 1}
